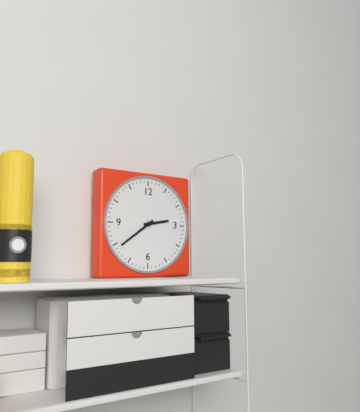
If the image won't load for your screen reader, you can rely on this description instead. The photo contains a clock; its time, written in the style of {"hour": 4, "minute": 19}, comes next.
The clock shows {"hour": 2, "minute": 39}
